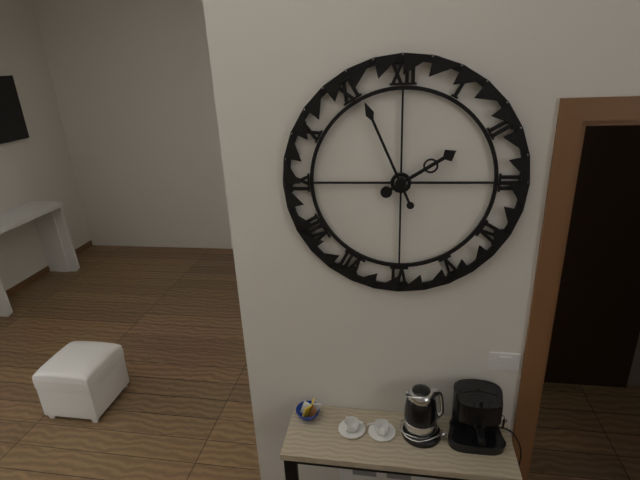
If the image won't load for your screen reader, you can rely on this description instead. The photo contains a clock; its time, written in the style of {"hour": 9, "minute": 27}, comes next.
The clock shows {"hour": 1, "minute": 56}
